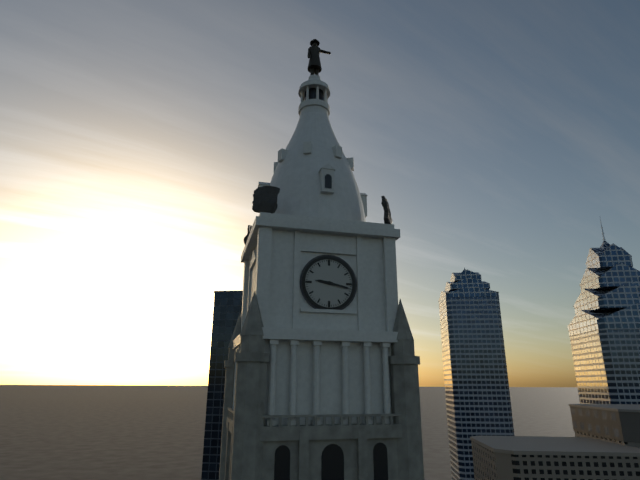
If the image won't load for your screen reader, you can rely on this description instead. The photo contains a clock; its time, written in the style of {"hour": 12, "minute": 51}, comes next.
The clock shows {"hour": 9, "minute": 17}
